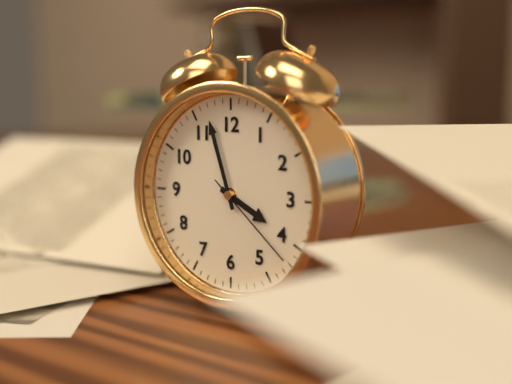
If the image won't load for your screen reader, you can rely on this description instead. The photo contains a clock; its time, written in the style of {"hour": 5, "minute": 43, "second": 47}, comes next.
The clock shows {"hour": 3, "minute": 57, "second": 22}
